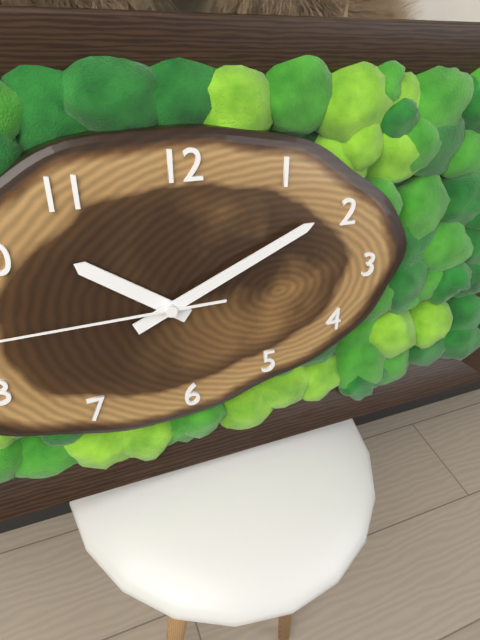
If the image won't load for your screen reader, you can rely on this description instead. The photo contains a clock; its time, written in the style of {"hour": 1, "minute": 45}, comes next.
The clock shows {"hour": 10, "minute": 11}
